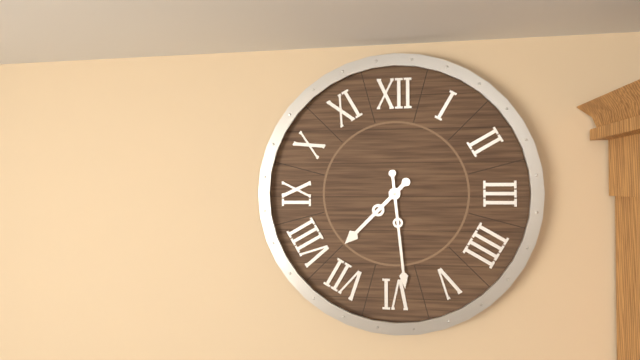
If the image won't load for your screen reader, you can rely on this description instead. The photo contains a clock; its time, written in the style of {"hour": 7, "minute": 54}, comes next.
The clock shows {"hour": 7, "minute": 29}
